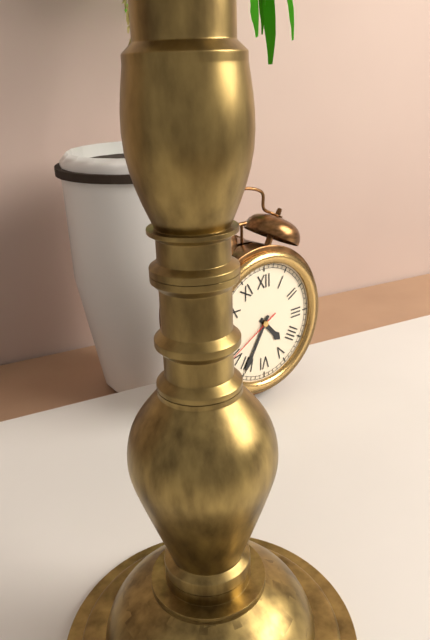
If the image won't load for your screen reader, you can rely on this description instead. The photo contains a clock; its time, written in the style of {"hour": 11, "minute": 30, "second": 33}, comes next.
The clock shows {"hour": 4, "minute": 35, "second": 40}
